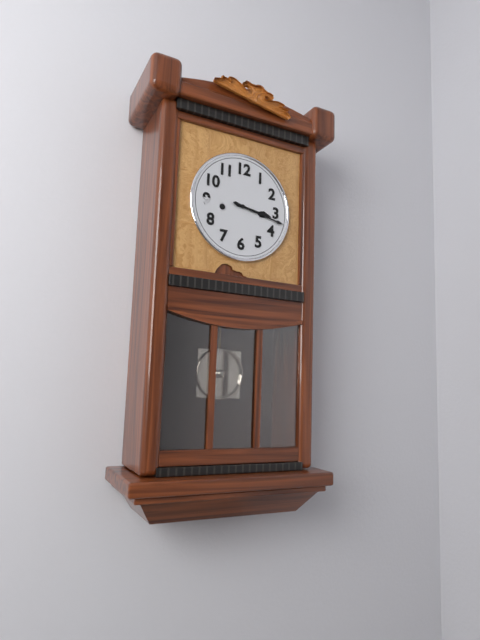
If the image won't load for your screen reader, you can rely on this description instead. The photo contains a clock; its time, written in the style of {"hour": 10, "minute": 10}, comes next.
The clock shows {"hour": 3, "minute": 17}
